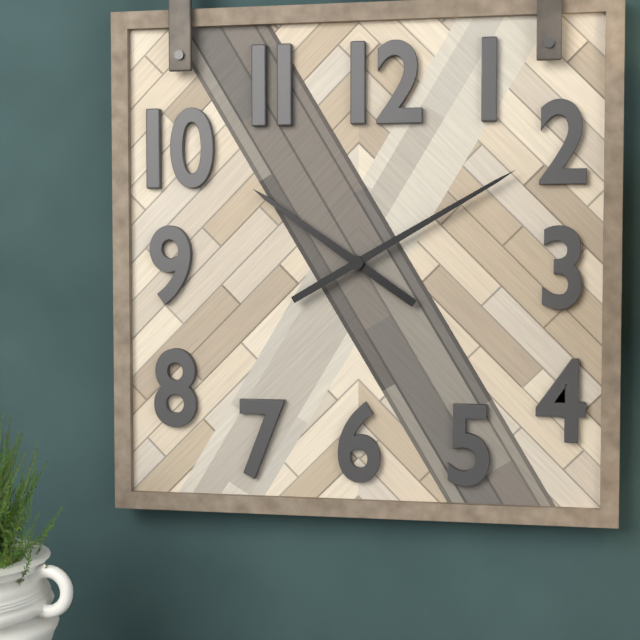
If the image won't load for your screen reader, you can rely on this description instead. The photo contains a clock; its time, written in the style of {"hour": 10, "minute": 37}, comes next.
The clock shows {"hour": 10, "minute": 10}
